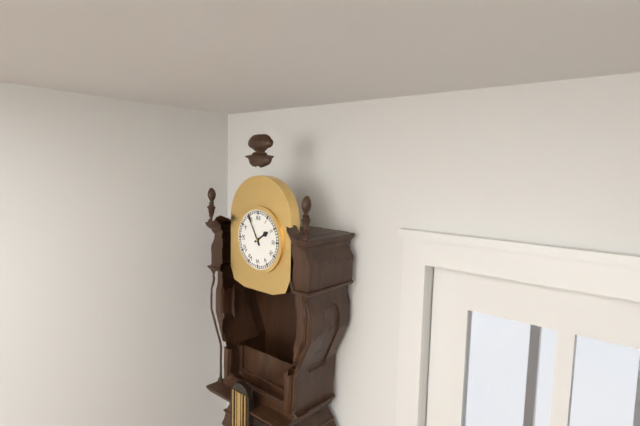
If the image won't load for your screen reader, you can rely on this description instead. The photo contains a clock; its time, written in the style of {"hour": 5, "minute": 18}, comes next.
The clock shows {"hour": 1, "minute": 55}
